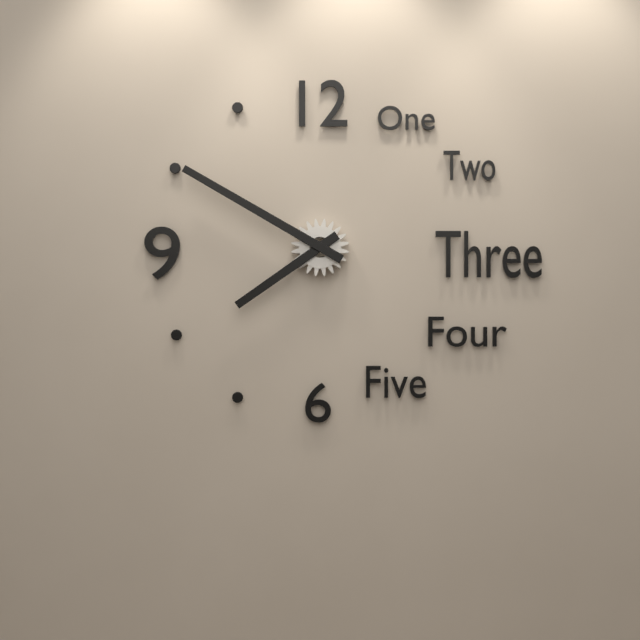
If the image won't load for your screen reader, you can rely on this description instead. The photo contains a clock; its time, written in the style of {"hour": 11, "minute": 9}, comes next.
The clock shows {"hour": 7, "minute": 50}
